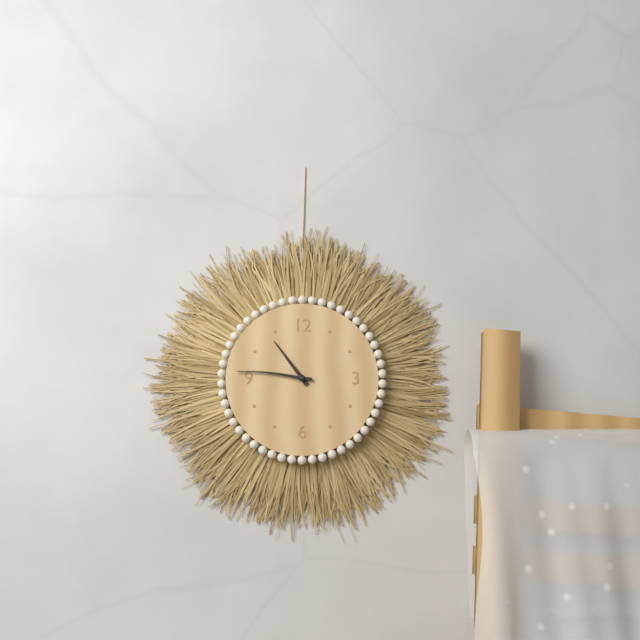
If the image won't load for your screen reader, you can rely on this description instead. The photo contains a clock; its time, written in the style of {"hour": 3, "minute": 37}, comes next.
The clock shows {"hour": 10, "minute": 46}
